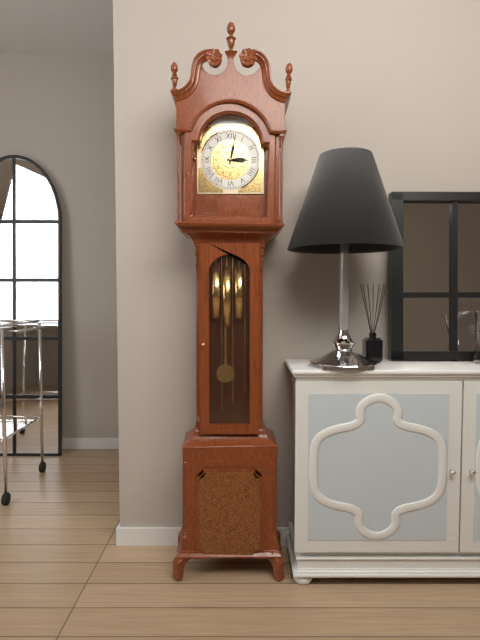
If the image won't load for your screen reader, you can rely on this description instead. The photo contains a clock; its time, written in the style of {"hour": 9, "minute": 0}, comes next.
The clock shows {"hour": 3, "minute": 2}
